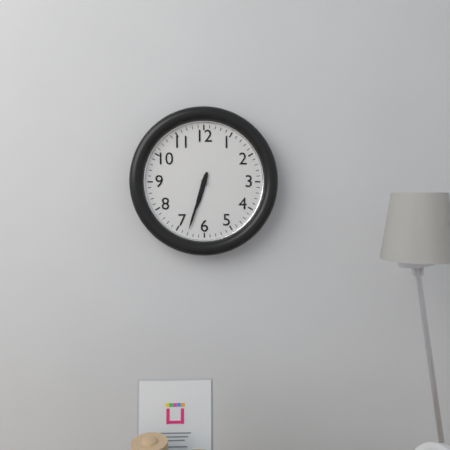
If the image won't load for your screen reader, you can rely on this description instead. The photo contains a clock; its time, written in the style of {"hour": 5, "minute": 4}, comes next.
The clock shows {"hour": 6, "minute": 33}
